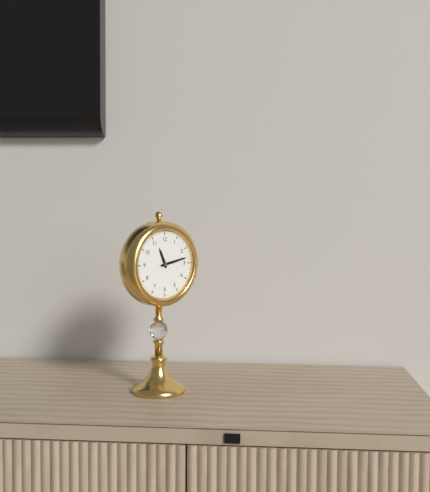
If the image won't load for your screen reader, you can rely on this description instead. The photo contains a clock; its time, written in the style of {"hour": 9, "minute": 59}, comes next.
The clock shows {"hour": 11, "minute": 13}
